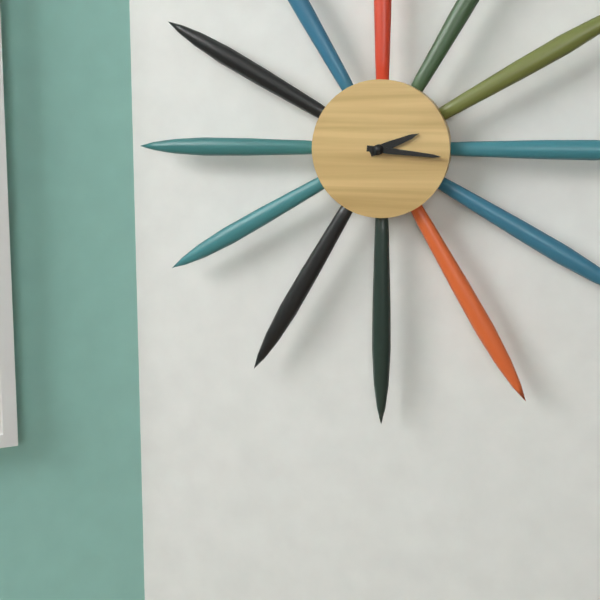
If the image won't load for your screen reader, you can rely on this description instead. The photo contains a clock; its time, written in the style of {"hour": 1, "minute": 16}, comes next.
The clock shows {"hour": 2, "minute": 16}
